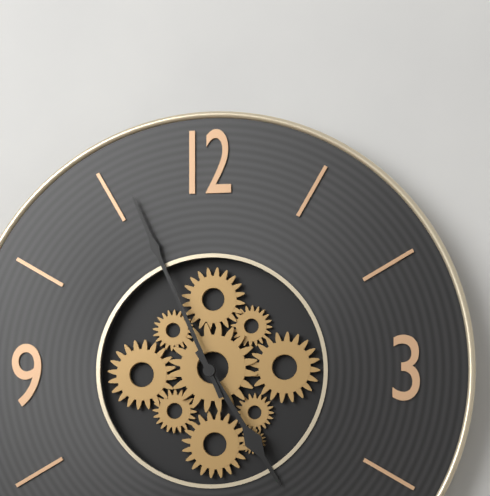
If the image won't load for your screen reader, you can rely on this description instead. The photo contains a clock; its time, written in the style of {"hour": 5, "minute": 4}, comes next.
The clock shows {"hour": 4, "minute": 56}
